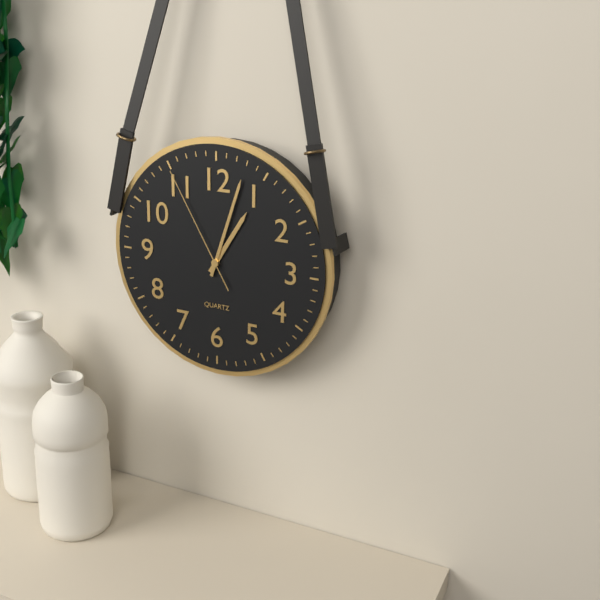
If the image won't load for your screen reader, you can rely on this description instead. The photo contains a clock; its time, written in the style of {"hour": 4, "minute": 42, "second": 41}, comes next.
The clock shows {"hour": 1, "minute": 3, "second": 55}
